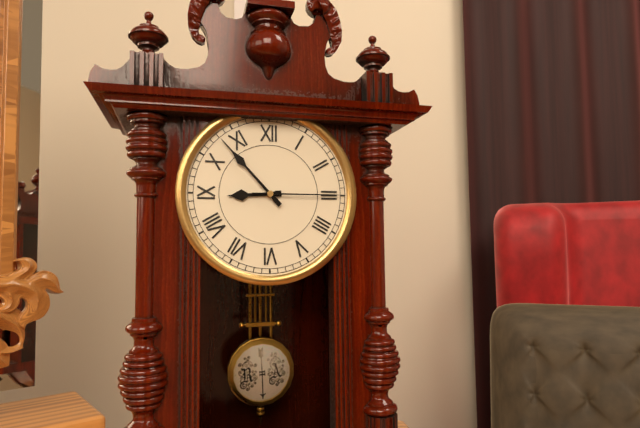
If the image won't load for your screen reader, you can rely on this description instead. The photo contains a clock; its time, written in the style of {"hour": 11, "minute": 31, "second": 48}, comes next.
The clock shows {"hour": 8, "minute": 53, "second": 15}
